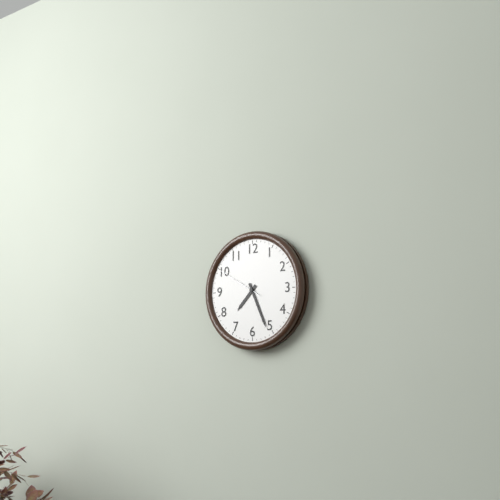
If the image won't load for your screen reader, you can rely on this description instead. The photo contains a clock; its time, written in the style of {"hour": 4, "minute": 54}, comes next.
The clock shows {"hour": 7, "minute": 26}
